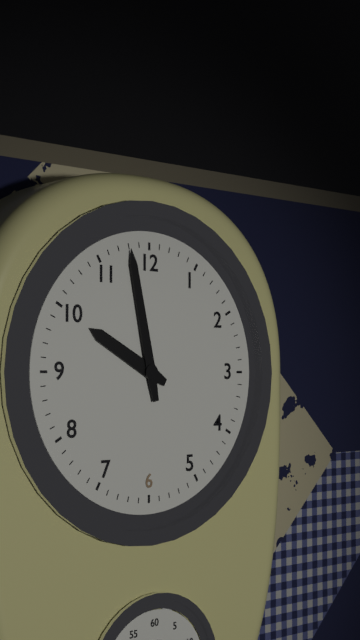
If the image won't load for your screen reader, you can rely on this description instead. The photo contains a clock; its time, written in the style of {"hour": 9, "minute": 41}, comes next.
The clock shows {"hour": 9, "minute": 58}
